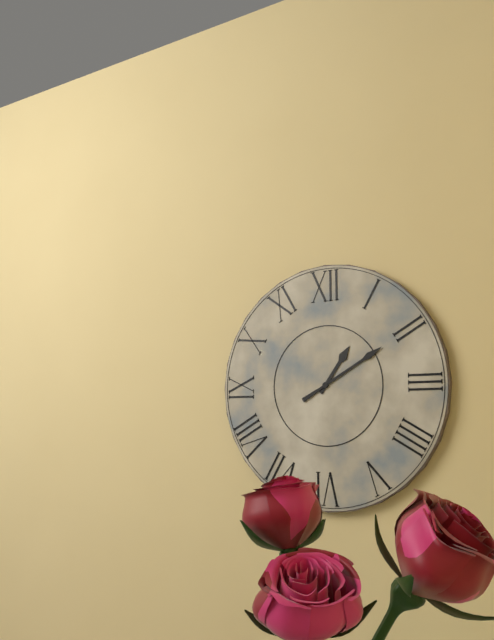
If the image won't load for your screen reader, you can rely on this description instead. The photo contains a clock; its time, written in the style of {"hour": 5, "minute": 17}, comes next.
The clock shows {"hour": 1, "minute": 10}
